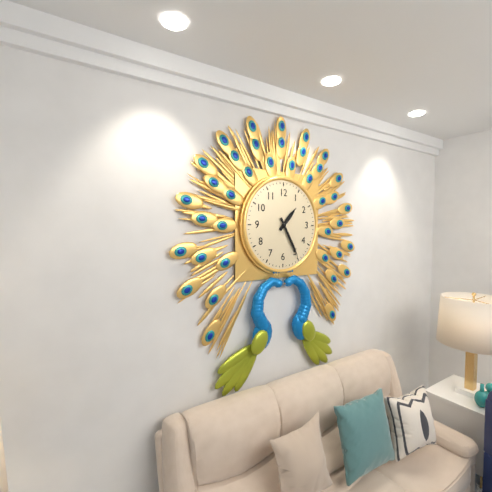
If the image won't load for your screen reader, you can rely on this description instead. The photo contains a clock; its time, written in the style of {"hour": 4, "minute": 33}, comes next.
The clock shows {"hour": 1, "minute": 25}
